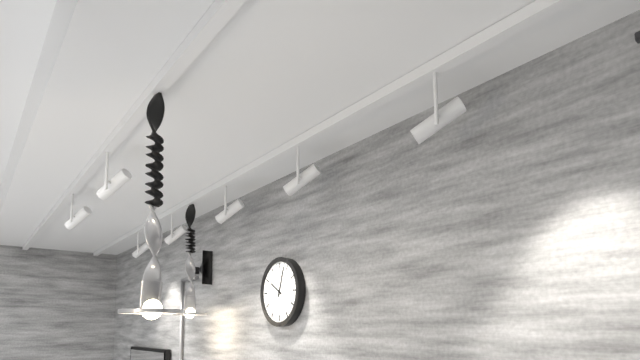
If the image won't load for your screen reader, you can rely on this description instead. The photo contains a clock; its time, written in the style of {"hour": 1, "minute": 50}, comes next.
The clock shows {"hour": 10, "minute": 3}
